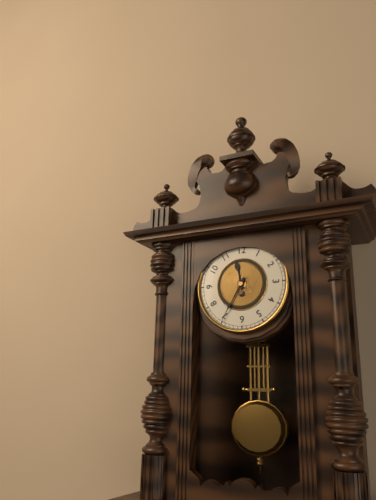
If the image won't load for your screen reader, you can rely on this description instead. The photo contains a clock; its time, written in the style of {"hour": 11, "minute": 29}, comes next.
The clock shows {"hour": 11, "minute": 35}
